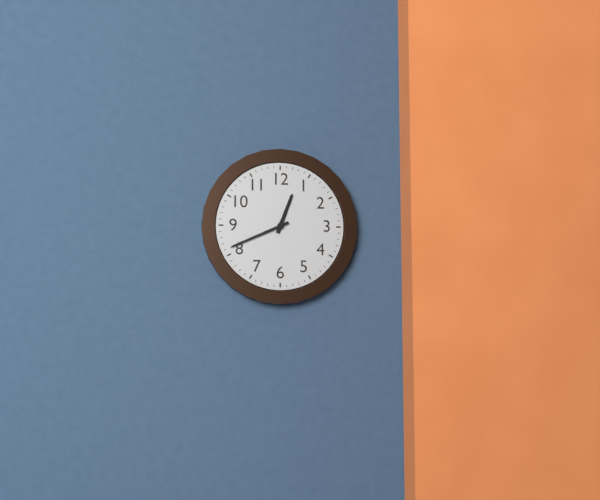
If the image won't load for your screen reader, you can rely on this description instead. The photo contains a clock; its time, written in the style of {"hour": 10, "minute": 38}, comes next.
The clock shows {"hour": 12, "minute": 41}
